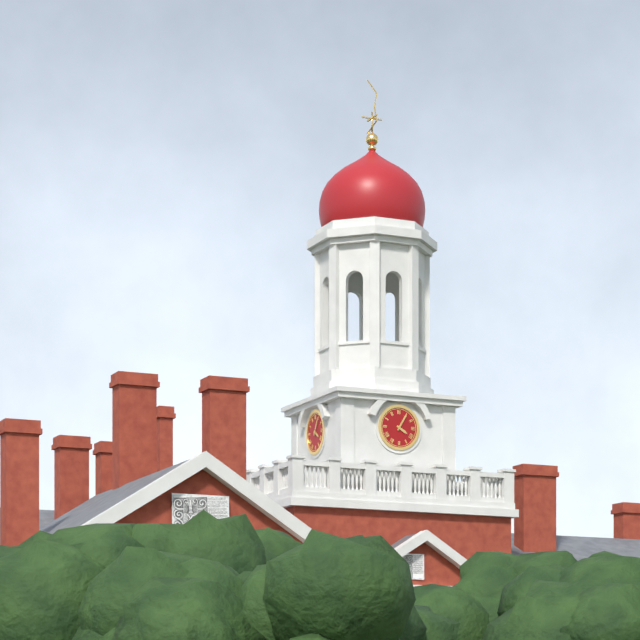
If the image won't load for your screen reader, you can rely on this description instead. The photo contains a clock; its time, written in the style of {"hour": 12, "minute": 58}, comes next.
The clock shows {"hour": 4, "minute": 5}
